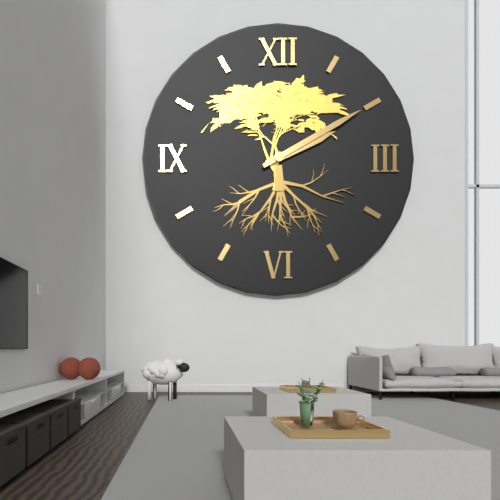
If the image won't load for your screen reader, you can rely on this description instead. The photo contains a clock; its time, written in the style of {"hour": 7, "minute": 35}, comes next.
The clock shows {"hour": 2, "minute": 10}
